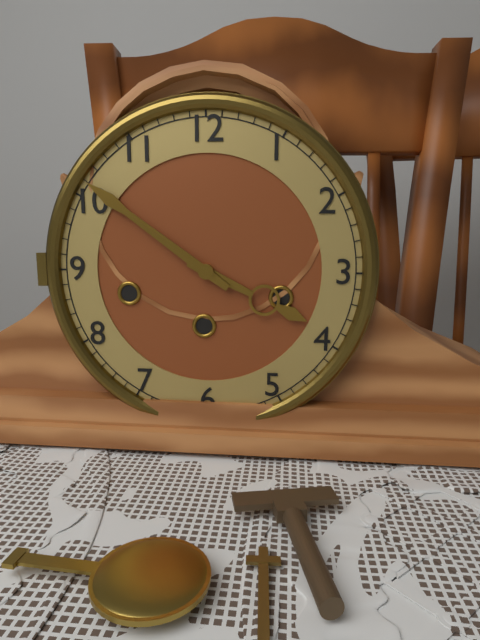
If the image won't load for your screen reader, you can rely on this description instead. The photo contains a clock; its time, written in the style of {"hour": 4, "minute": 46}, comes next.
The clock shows {"hour": 3, "minute": 51}
